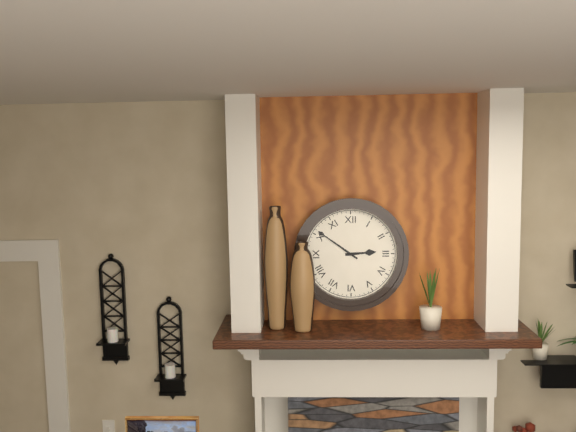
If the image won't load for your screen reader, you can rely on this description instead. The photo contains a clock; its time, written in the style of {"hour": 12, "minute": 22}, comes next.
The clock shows {"hour": 2, "minute": 51}
